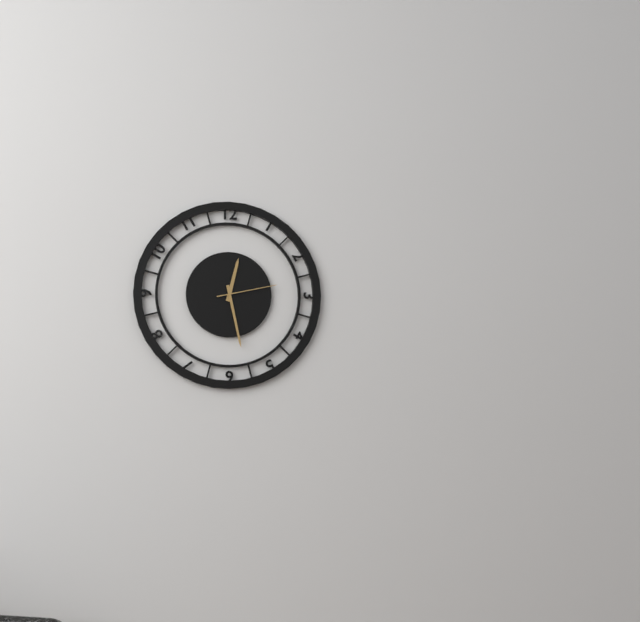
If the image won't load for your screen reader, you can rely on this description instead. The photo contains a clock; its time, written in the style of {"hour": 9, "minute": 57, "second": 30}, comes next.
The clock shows {"hour": 12, "minute": 28, "second": 13}
